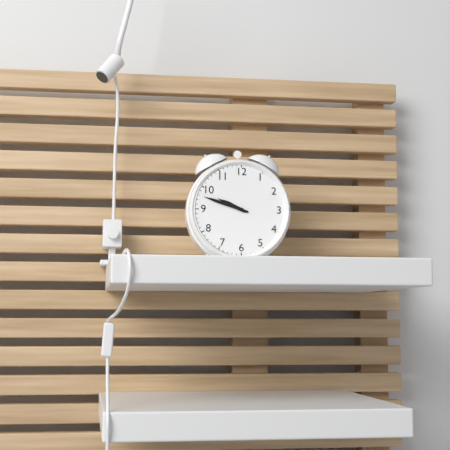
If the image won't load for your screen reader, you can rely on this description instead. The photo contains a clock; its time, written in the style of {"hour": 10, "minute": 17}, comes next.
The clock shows {"hour": 9, "minute": 48}
